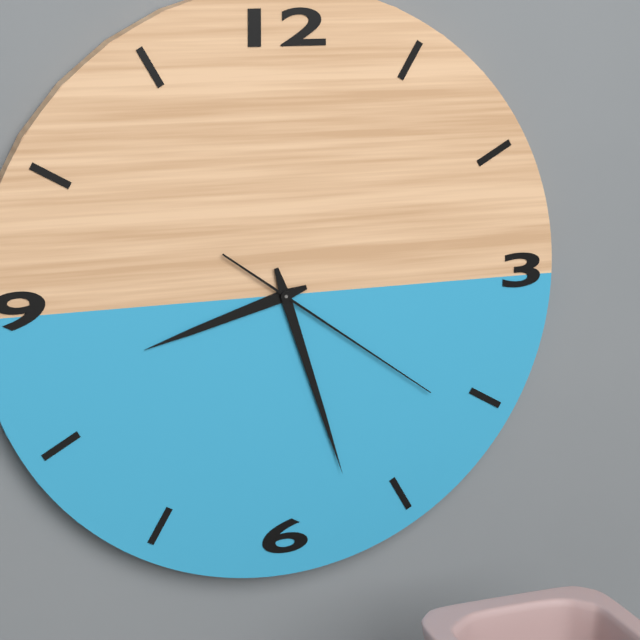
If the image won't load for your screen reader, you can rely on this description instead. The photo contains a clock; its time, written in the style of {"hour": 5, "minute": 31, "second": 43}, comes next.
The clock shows {"hour": 8, "minute": 27, "second": 21}
